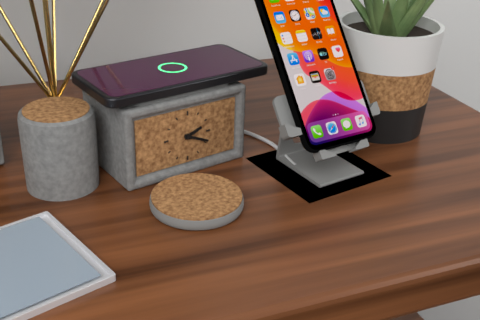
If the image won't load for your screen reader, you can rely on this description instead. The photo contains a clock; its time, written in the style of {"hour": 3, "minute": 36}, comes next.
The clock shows {"hour": 2, "minute": 19}
